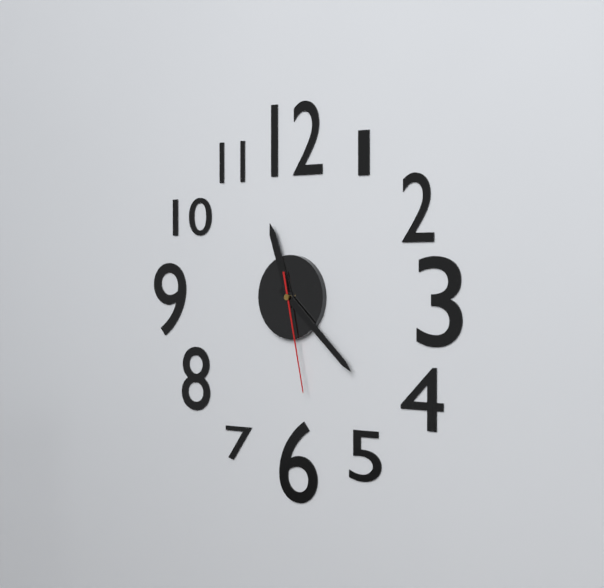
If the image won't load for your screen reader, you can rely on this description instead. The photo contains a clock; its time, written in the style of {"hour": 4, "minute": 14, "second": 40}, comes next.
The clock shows {"hour": 11, "minute": 22, "second": 28}
